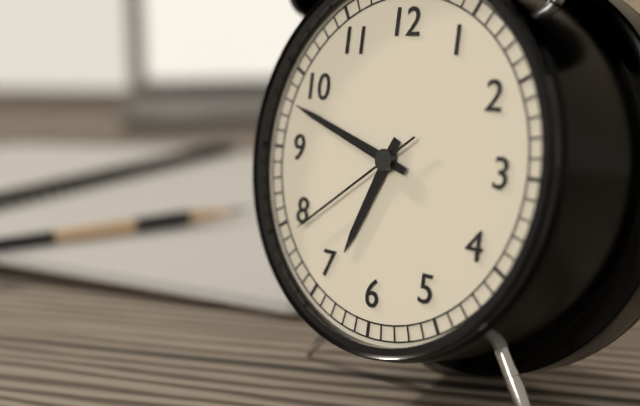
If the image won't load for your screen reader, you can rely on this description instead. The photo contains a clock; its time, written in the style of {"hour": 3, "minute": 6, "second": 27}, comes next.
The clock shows {"hour": 6, "minute": 48, "second": 39}
